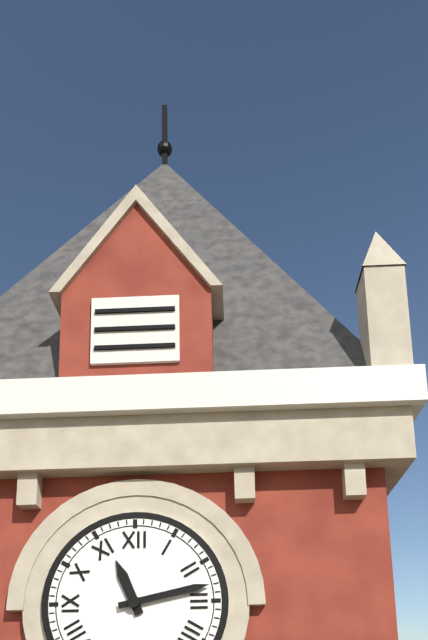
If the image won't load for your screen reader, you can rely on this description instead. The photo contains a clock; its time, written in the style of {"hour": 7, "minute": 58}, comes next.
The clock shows {"hour": 11, "minute": 13}
